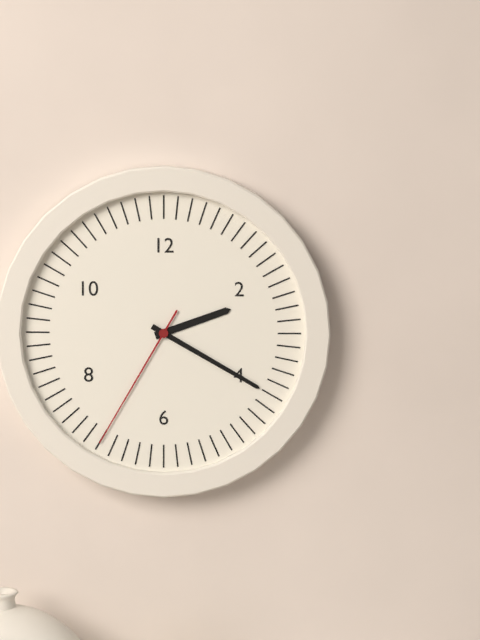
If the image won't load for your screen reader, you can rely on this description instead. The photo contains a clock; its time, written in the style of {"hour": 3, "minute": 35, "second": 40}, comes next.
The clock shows {"hour": 2, "minute": 20, "second": 35}
